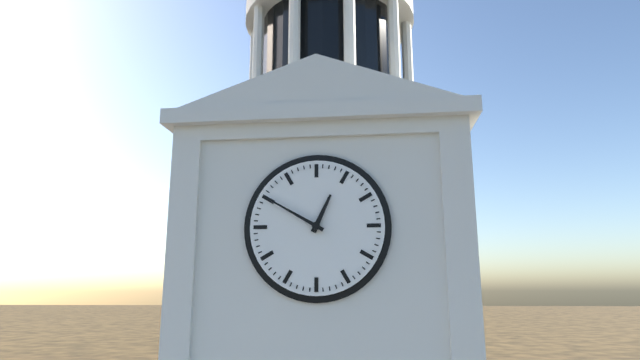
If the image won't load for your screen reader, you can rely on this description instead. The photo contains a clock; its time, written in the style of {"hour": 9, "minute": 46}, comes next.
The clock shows {"hour": 12, "minute": 50}
